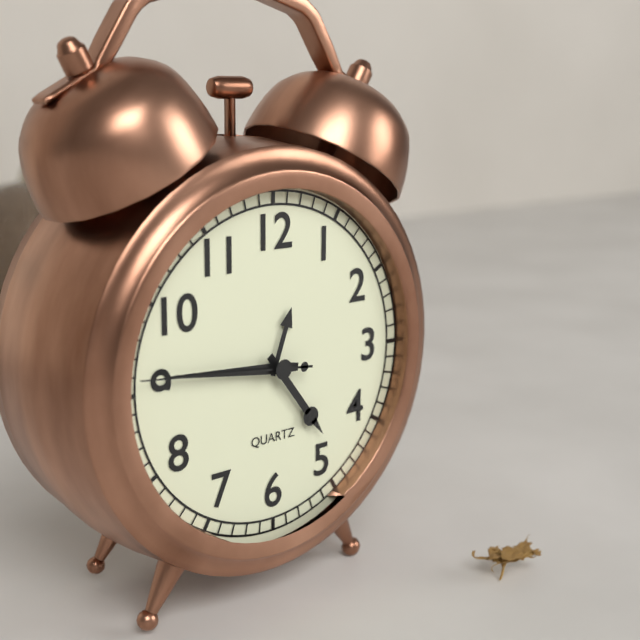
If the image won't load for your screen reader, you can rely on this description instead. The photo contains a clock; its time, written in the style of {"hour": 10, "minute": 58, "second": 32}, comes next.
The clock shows {"hour": 4, "minute": 46, "second": 46}
